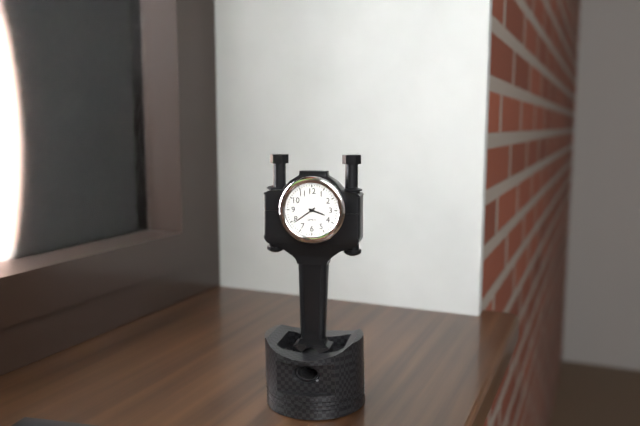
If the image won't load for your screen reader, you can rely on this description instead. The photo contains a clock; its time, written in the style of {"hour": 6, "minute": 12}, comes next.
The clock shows {"hour": 3, "minute": 39}
